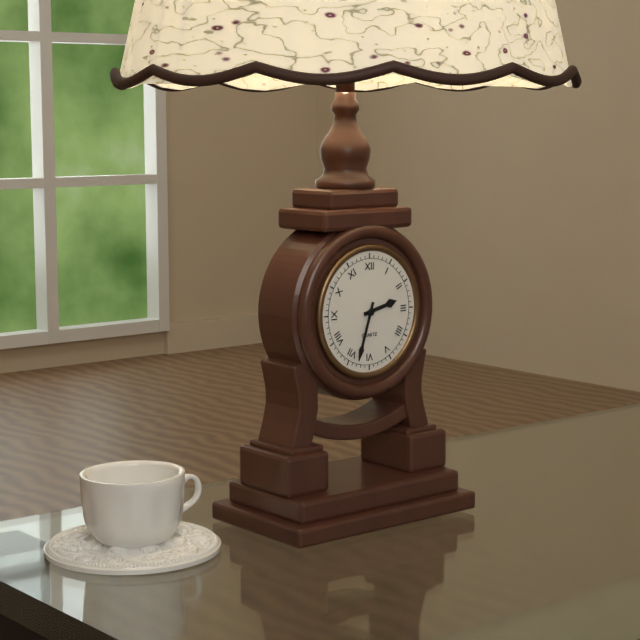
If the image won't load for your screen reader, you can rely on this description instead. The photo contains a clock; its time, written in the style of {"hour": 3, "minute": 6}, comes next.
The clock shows {"hour": 2, "minute": 33}
